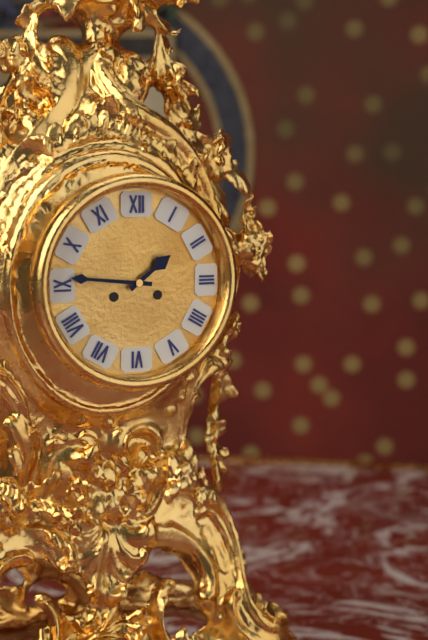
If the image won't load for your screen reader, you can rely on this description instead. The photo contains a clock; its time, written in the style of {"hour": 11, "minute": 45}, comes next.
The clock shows {"hour": 1, "minute": 46}
